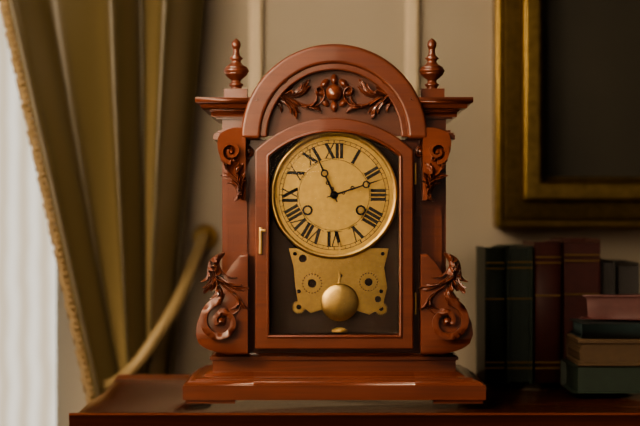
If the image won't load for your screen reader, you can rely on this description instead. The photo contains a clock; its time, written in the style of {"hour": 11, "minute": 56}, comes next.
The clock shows {"hour": 11, "minute": 12}
